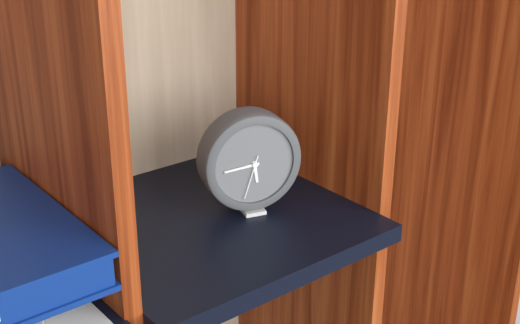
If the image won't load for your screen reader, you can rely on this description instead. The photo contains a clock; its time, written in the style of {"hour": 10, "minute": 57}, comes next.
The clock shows {"hour": 5, "minute": 44}
